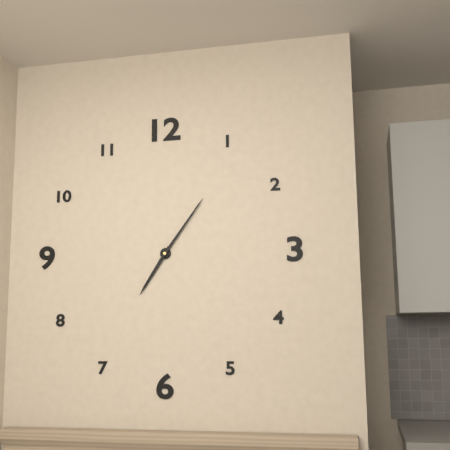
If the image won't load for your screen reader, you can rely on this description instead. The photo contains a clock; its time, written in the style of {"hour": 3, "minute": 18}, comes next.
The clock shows {"hour": 7, "minute": 6}
